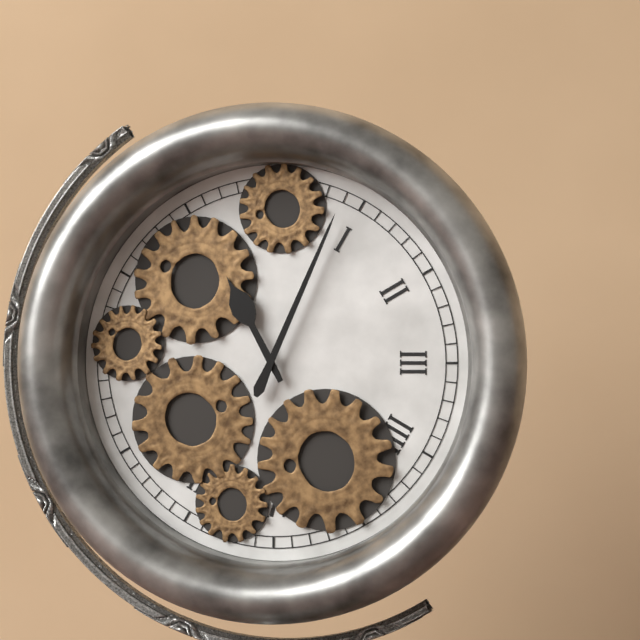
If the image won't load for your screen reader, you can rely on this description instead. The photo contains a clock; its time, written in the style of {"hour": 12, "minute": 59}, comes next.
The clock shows {"hour": 11, "minute": 4}
